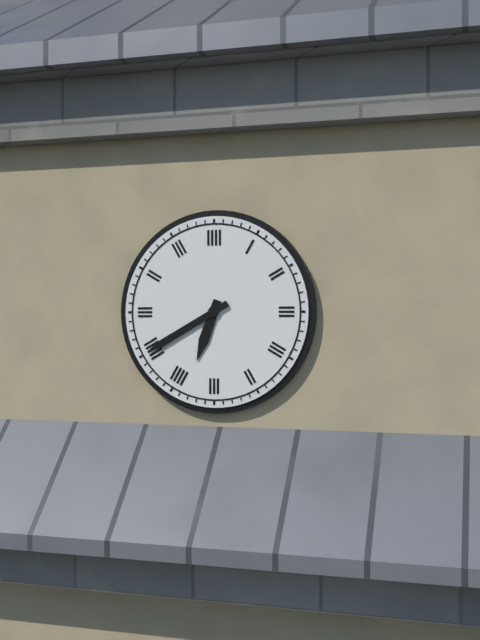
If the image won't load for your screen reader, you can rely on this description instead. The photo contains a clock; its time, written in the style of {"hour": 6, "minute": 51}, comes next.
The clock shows {"hour": 6, "minute": 40}
